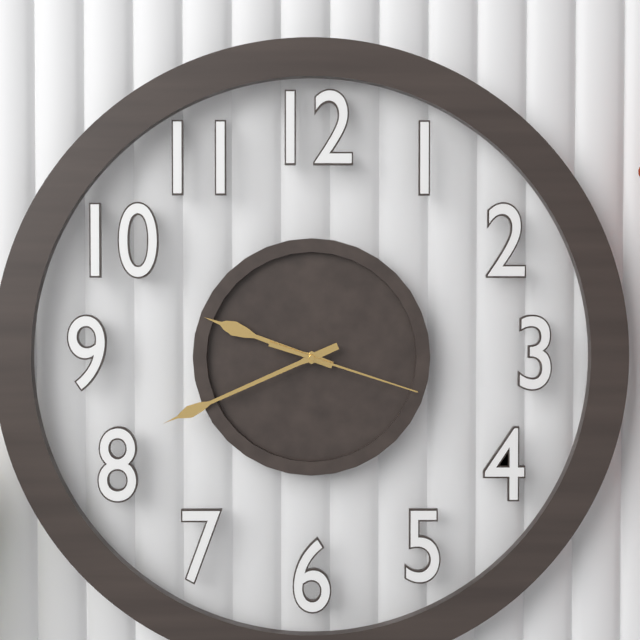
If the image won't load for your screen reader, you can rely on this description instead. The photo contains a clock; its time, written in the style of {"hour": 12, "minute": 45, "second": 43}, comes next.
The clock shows {"hour": 9, "minute": 41, "second": 18}
